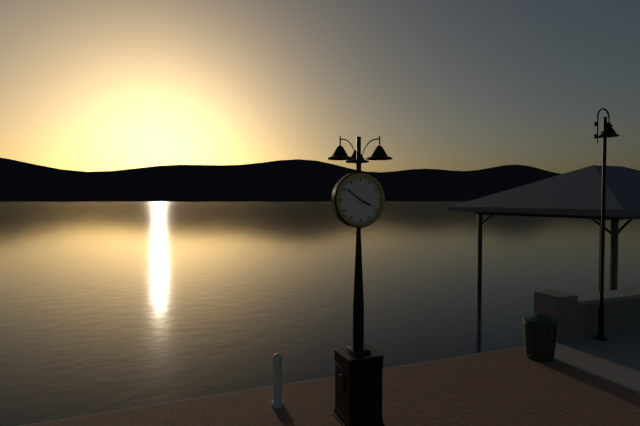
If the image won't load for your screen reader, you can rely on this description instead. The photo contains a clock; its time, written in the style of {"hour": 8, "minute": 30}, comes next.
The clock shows {"hour": 3, "minute": 51}
